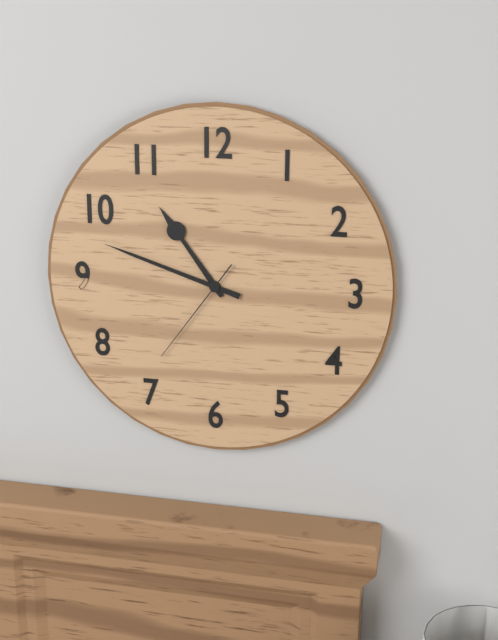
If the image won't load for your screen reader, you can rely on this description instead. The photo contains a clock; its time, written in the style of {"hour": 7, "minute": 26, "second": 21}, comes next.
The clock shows {"hour": 10, "minute": 48, "second": 36}
